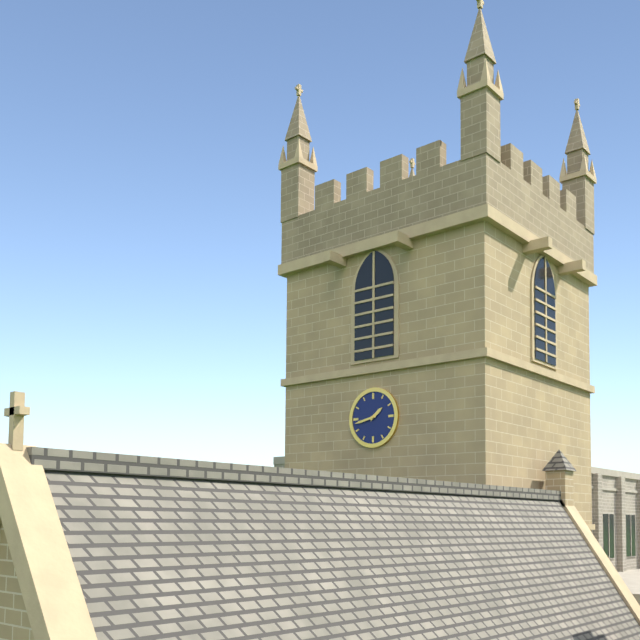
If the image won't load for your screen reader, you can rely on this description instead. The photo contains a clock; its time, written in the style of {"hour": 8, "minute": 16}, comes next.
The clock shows {"hour": 1, "minute": 43}
